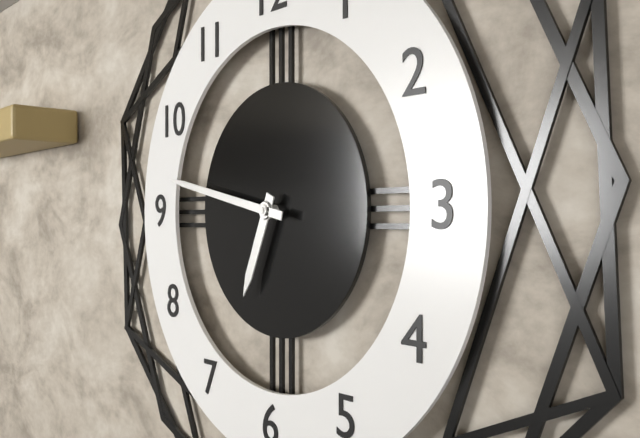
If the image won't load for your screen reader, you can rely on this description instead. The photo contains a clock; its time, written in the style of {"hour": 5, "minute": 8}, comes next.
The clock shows {"hour": 6, "minute": 47}
